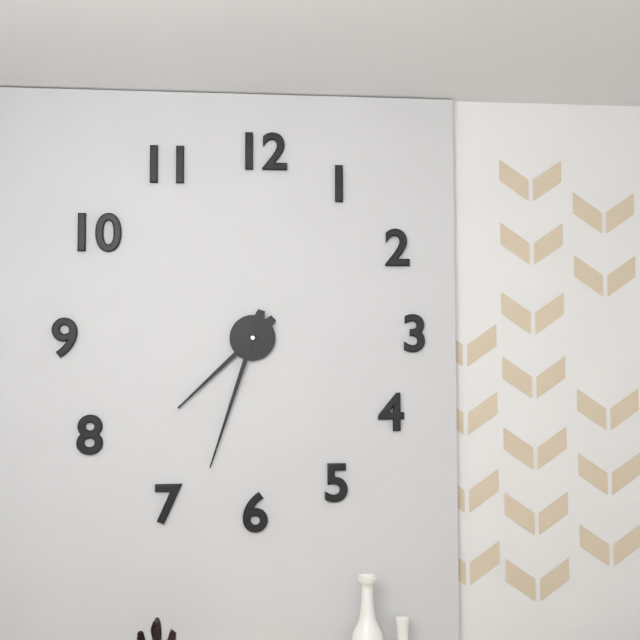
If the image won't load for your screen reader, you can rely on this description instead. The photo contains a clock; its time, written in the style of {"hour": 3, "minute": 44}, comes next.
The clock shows {"hour": 7, "minute": 33}
